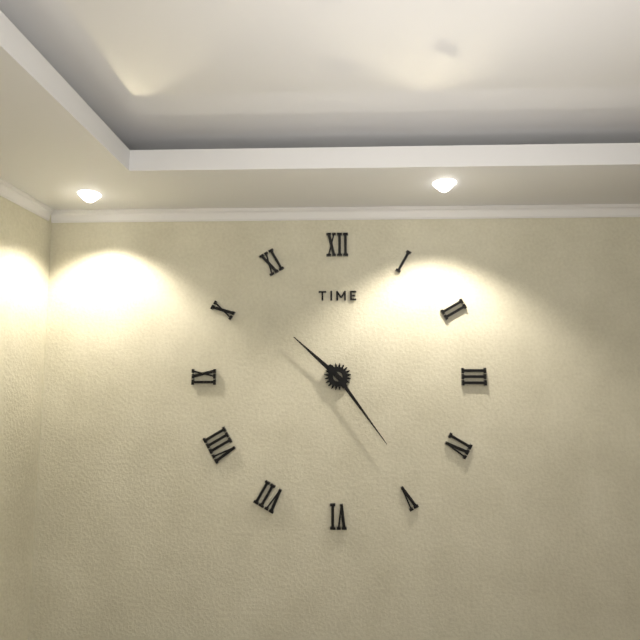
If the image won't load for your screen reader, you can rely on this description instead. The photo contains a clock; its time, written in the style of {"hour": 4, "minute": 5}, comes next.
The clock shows {"hour": 10, "minute": 24}
